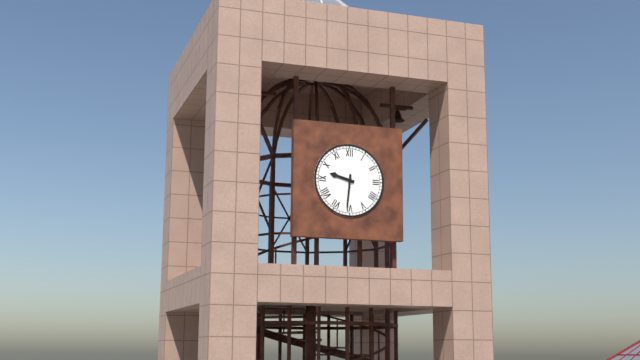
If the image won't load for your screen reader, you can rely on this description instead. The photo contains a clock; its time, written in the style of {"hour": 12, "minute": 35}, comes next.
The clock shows {"hour": 9, "minute": 31}
